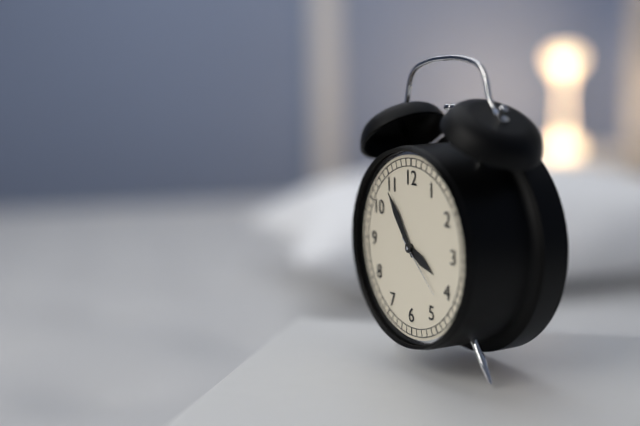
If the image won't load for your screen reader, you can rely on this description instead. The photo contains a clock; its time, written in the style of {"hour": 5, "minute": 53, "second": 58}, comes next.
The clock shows {"hour": 3, "minute": 54, "second": 22}
